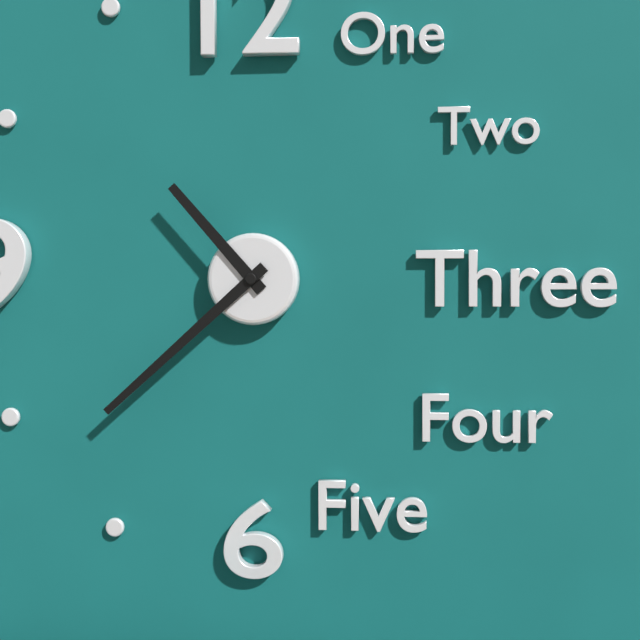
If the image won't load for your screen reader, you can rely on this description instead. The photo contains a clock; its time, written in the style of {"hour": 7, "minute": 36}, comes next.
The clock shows {"hour": 10, "minute": 38}
